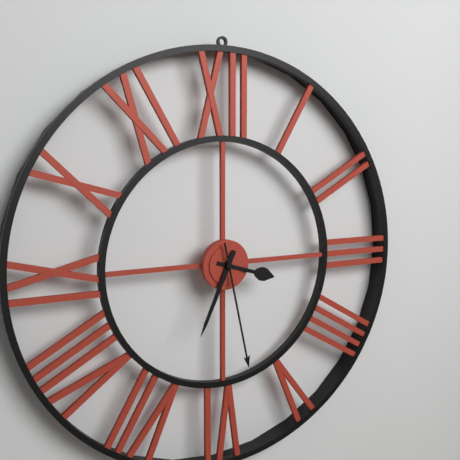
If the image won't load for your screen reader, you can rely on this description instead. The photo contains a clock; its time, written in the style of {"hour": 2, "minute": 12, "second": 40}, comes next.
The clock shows {"hour": 3, "minute": 34, "second": 28}
